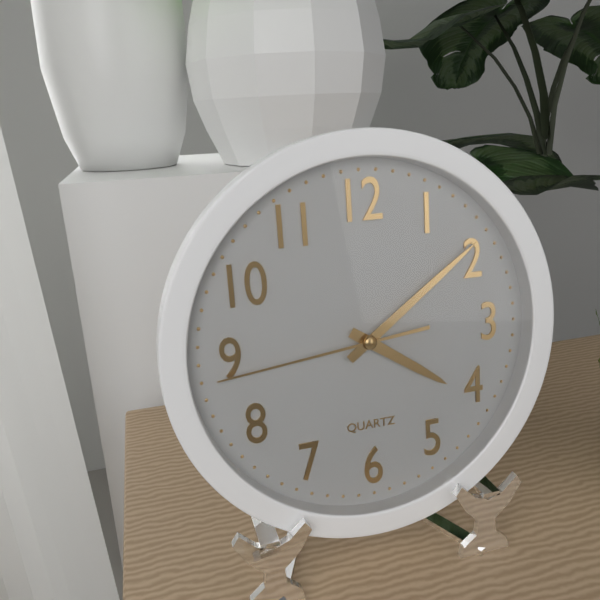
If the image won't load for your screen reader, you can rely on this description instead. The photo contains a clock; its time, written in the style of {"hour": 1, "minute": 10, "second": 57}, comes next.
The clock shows {"hour": 4, "minute": 9, "second": 44}
